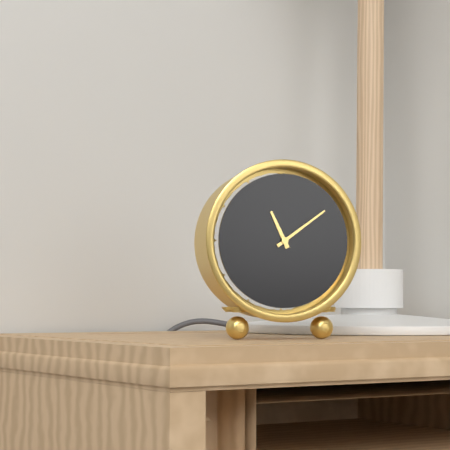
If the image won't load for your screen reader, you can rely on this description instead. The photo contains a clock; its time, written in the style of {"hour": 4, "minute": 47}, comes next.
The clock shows {"hour": 11, "minute": 9}
